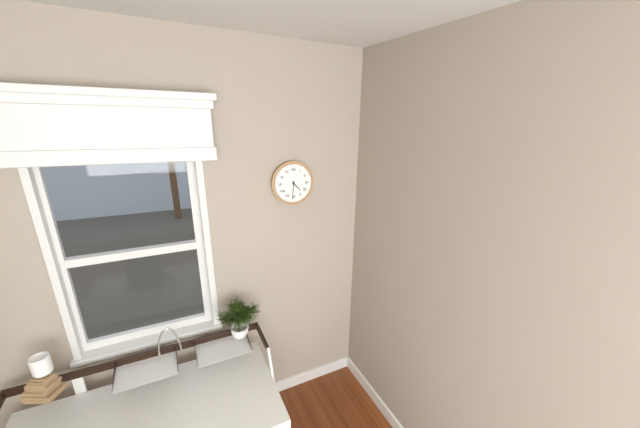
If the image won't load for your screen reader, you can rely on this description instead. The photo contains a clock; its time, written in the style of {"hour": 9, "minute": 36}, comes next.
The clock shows {"hour": 4, "minute": 31}
